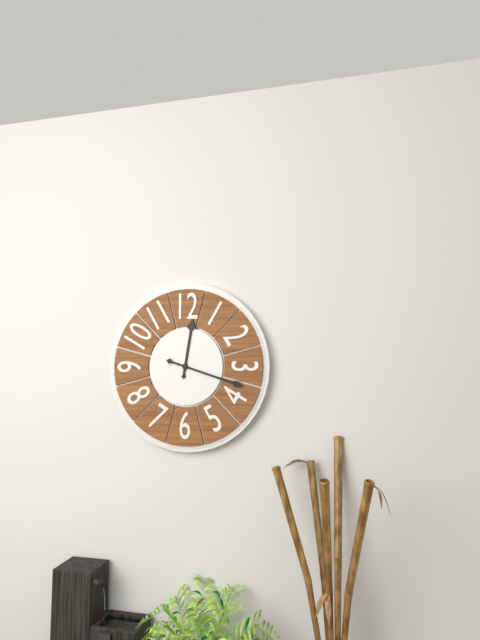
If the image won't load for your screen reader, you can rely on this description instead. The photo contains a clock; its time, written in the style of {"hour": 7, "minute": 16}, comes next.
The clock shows {"hour": 12, "minute": 18}
